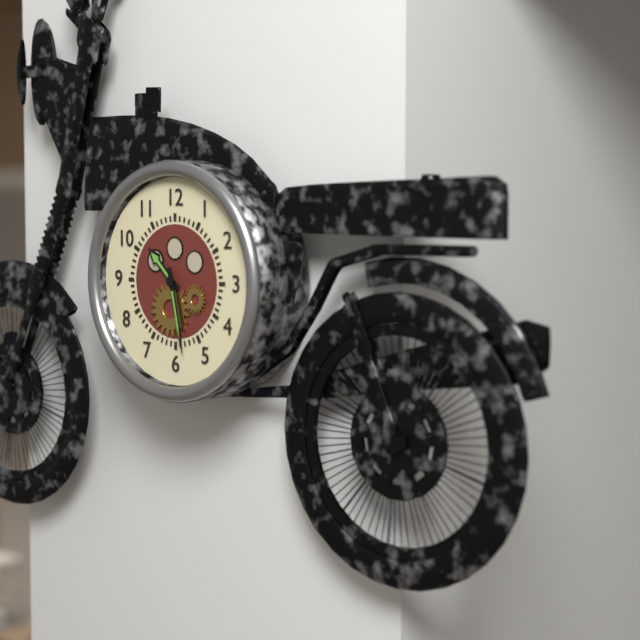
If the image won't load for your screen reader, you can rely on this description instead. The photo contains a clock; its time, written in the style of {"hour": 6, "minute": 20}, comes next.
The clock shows {"hour": 10, "minute": 28}
